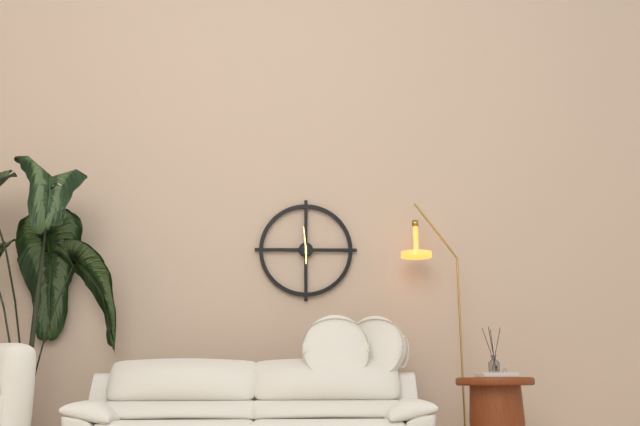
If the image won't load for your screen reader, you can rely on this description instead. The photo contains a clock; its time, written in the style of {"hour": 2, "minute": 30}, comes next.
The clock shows {"hour": 5, "minute": 59}
